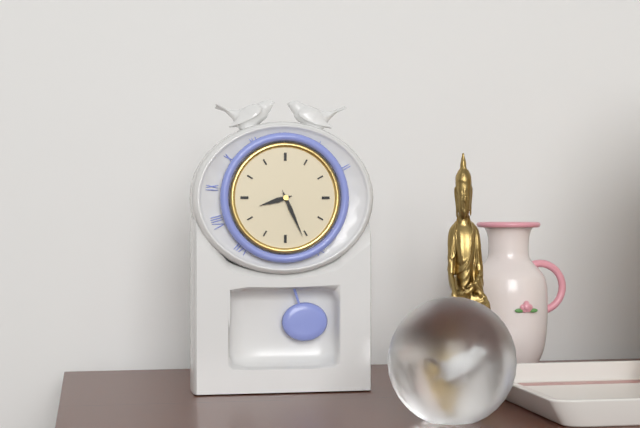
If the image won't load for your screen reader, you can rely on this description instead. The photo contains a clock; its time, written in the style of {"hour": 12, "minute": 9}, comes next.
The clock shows {"hour": 8, "minute": 26}
